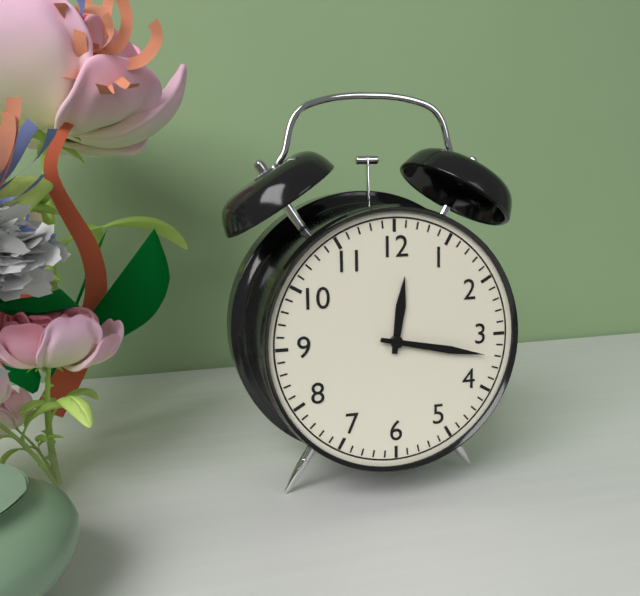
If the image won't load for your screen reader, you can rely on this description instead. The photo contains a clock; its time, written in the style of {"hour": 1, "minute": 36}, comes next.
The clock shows {"hour": 12, "minute": 17}
